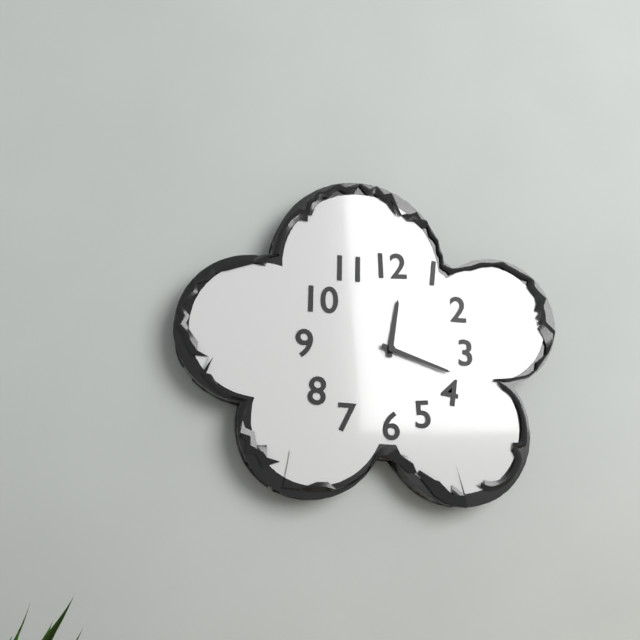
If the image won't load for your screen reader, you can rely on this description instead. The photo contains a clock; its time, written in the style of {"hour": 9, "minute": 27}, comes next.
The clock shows {"hour": 12, "minute": 18}
